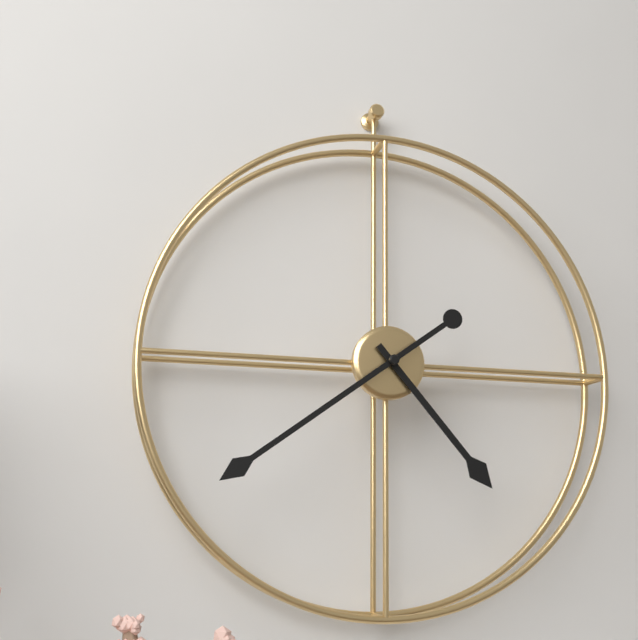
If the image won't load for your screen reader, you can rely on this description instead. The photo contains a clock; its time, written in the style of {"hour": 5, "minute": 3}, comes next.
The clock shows {"hour": 4, "minute": 39}
